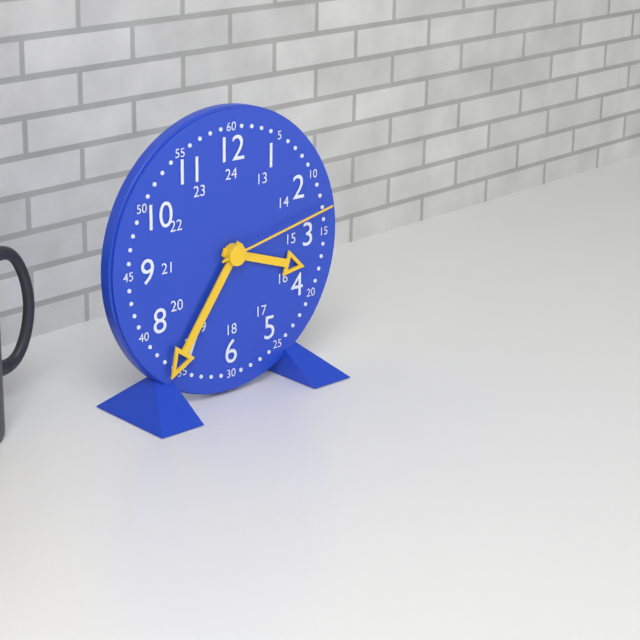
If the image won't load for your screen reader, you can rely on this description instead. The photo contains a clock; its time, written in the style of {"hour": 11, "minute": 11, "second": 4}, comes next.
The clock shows {"hour": 3, "minute": 36, "second": 13}
